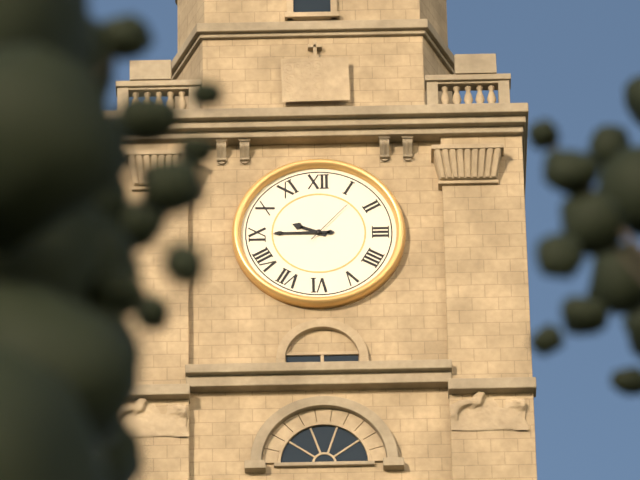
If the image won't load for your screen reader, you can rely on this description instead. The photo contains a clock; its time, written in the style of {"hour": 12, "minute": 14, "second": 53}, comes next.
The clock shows {"hour": 9, "minute": 45, "second": 7}
